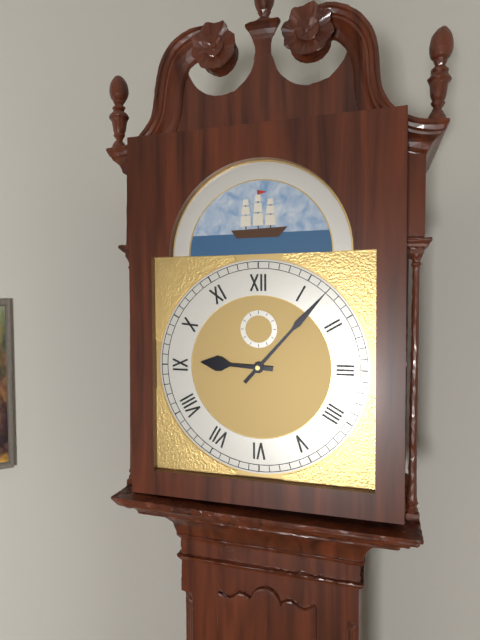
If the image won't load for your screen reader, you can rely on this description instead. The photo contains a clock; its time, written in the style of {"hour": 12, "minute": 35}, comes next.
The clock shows {"hour": 9, "minute": 7}
